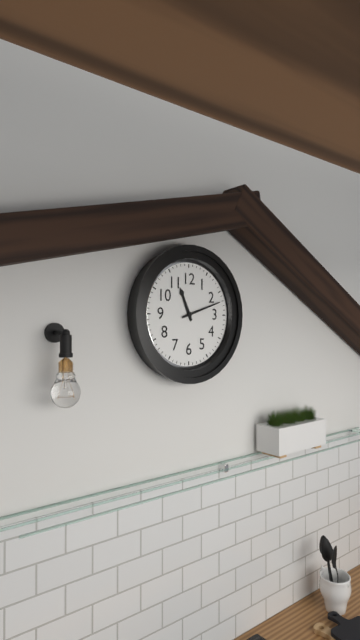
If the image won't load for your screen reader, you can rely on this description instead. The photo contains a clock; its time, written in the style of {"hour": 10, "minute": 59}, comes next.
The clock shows {"hour": 11, "minute": 12}
